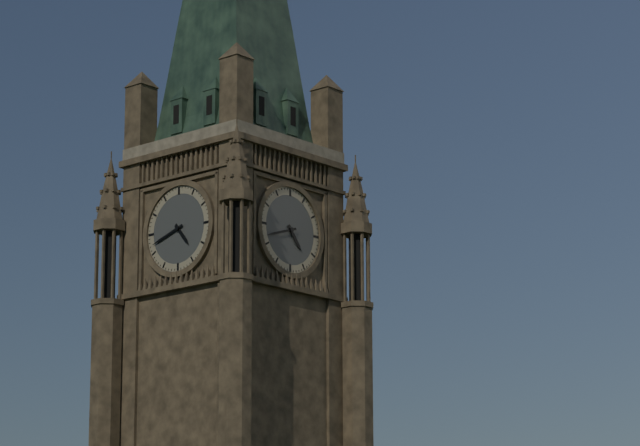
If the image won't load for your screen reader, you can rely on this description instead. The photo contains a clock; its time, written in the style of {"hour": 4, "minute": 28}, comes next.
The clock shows {"hour": 4, "minute": 42}
